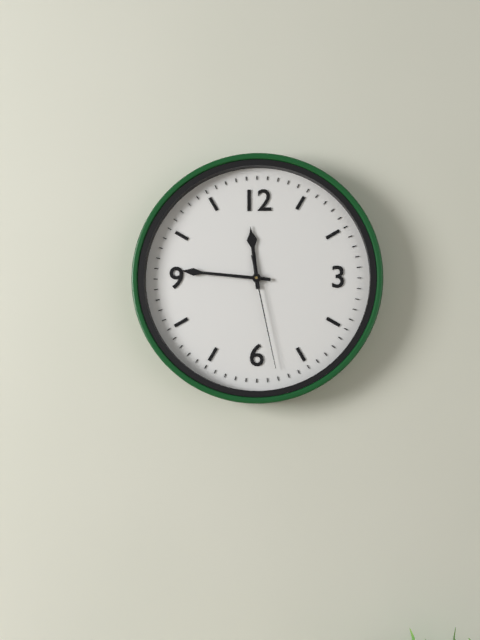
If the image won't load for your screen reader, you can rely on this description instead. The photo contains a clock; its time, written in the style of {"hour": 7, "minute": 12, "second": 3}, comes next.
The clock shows {"hour": 11, "minute": 46, "second": 28}
